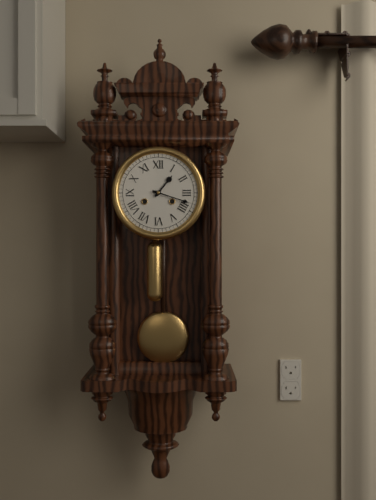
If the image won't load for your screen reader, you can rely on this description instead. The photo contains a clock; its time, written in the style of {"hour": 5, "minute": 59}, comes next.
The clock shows {"hour": 1, "minute": 18}
